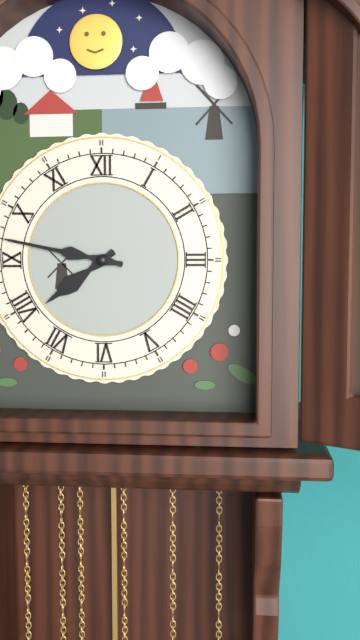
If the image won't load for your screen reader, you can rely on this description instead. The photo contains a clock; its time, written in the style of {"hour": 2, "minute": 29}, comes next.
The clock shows {"hour": 7, "minute": 47}
